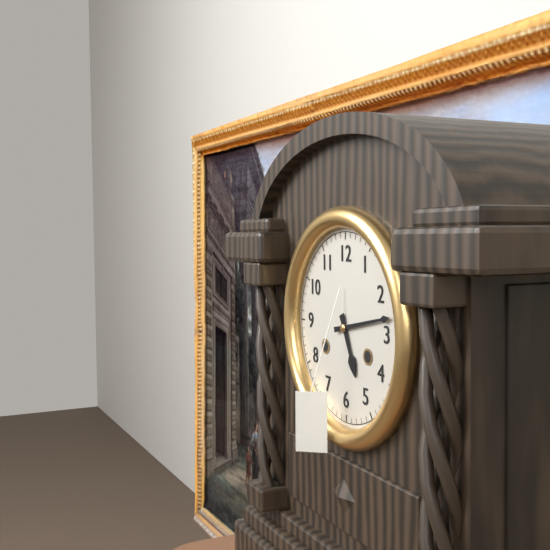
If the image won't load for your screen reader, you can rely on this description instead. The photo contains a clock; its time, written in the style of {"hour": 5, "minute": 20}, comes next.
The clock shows {"hour": 5, "minute": 13}
